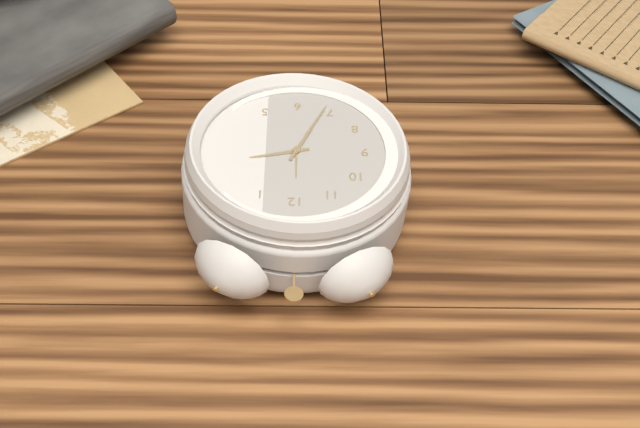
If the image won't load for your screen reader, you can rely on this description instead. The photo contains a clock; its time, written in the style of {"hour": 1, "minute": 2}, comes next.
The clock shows {"hour": 2, "minute": 34}
